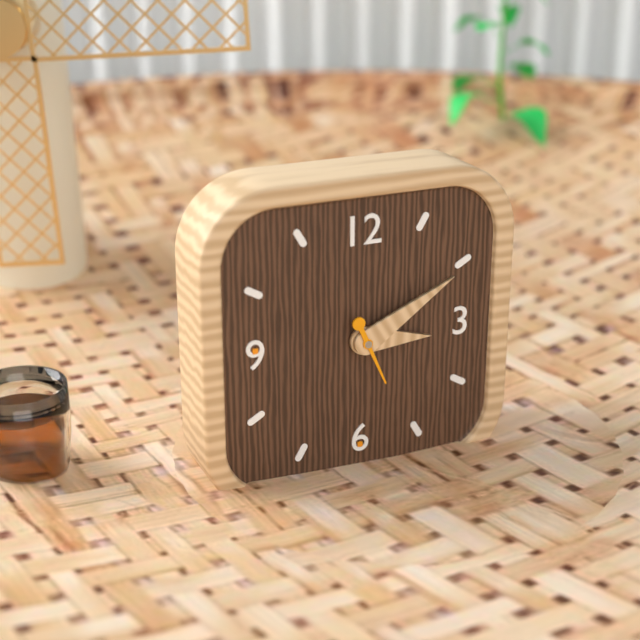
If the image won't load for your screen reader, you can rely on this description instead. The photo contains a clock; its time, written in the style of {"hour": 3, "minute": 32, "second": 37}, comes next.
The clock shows {"hour": 3, "minute": 10, "second": 26}
